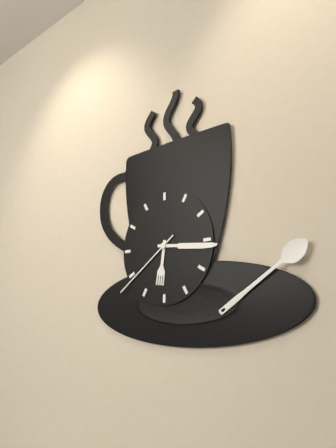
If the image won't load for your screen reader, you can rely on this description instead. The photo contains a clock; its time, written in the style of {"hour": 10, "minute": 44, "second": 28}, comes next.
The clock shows {"hour": 6, "minute": 16, "second": 39}
